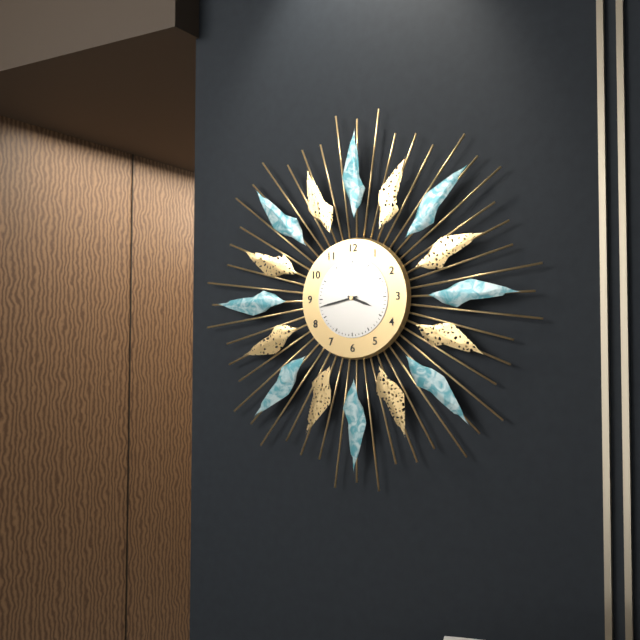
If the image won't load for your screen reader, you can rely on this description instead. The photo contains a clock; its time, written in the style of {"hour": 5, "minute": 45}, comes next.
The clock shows {"hour": 3, "minute": 43}
